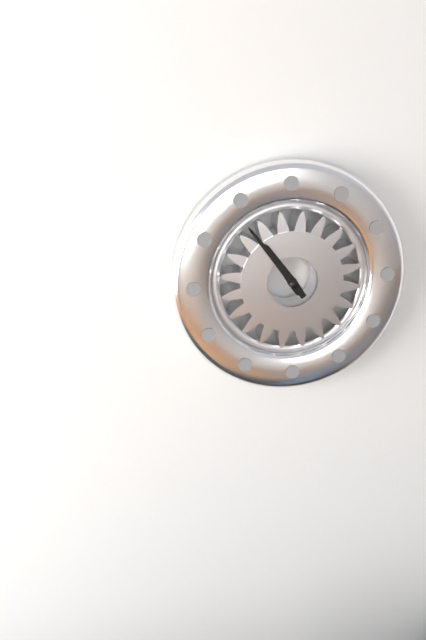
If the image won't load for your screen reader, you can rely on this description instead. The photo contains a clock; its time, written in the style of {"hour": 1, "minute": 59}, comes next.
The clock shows {"hour": 10, "minute": 54}
